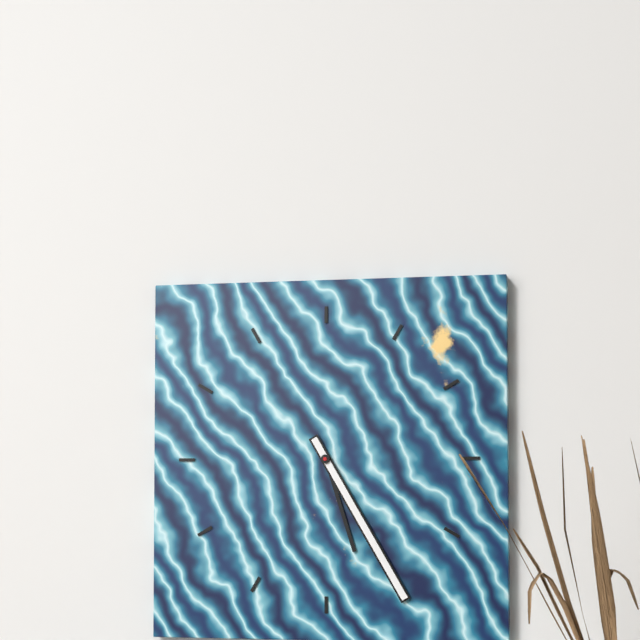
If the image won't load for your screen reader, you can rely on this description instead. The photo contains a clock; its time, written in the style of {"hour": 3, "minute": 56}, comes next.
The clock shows {"hour": 5, "minute": 25}
